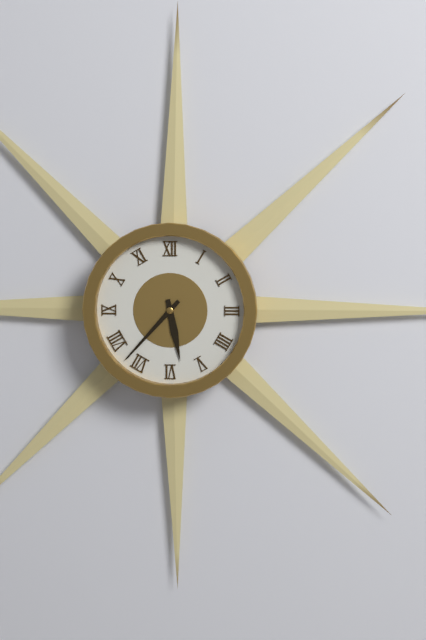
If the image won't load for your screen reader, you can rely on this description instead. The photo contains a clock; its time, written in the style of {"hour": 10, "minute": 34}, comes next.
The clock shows {"hour": 5, "minute": 37}
